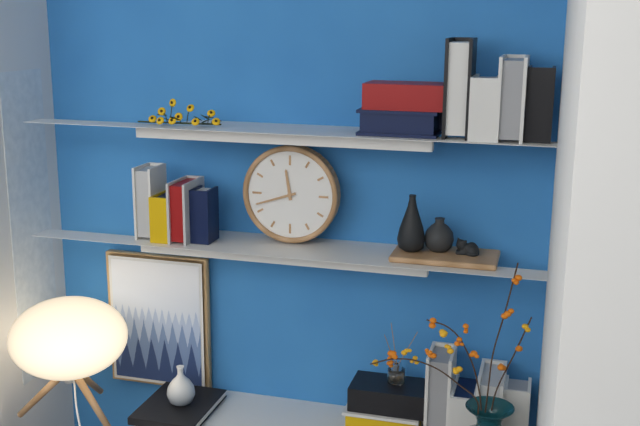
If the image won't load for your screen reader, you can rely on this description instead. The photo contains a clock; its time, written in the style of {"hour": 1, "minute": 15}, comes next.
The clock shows {"hour": 11, "minute": 42}
